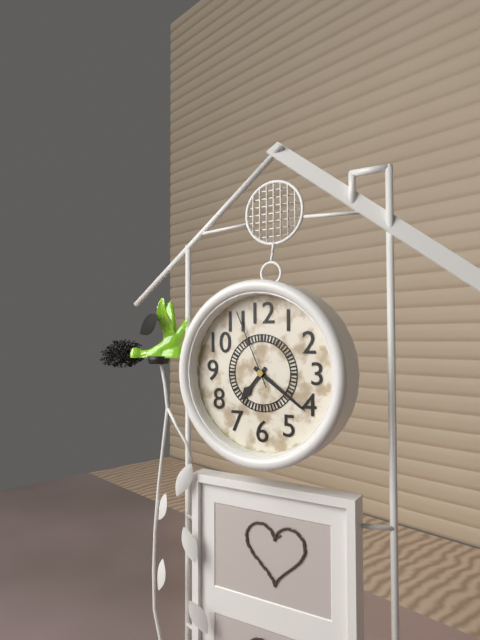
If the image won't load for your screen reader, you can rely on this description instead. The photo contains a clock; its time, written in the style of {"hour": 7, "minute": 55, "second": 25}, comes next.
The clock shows {"hour": 7, "minute": 21, "second": 56}
